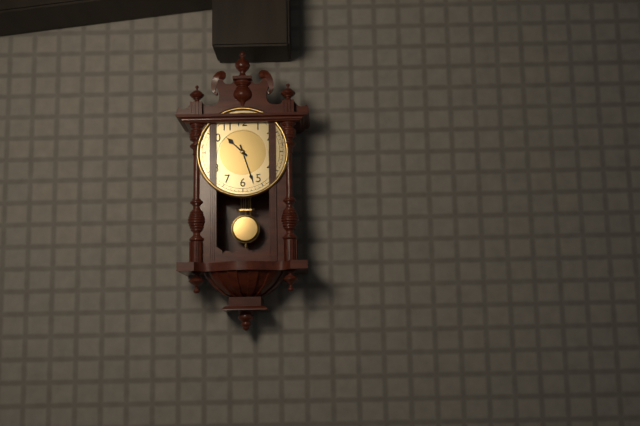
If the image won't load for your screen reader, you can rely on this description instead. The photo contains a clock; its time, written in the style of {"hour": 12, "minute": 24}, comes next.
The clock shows {"hour": 10, "minute": 27}
